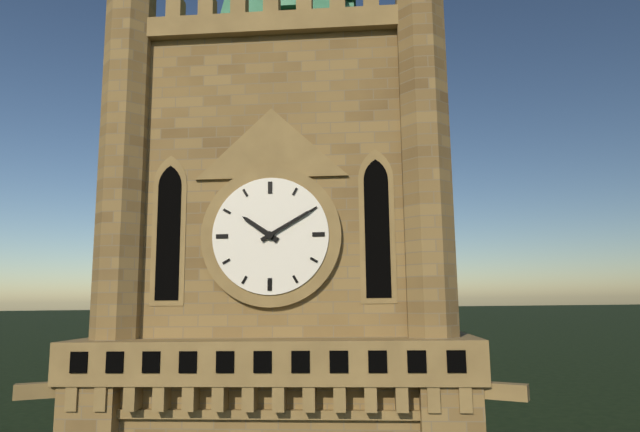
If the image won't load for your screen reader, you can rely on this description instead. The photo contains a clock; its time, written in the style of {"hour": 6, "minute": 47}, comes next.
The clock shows {"hour": 10, "minute": 10}
